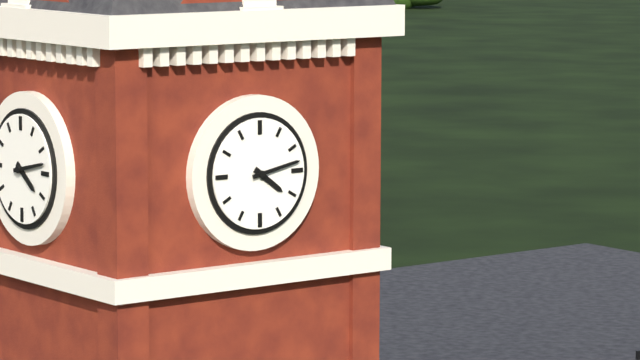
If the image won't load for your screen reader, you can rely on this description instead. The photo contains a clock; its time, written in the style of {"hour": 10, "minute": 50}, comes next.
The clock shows {"hour": 4, "minute": 13}
